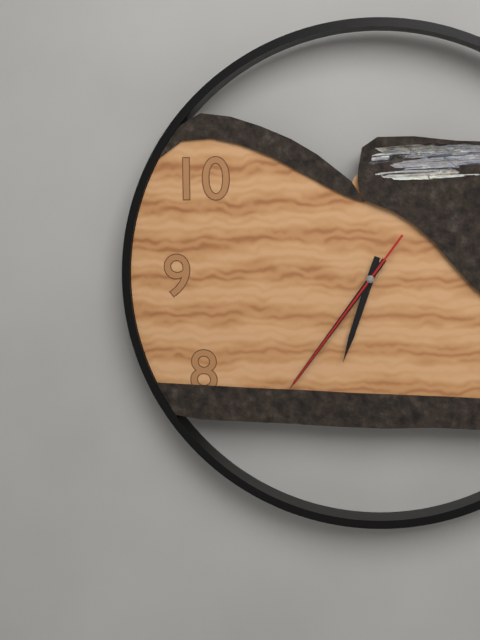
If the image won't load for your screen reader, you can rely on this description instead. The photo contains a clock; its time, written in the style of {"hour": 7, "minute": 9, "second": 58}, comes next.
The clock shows {"hour": 6, "minute": 36, "second": 36}
